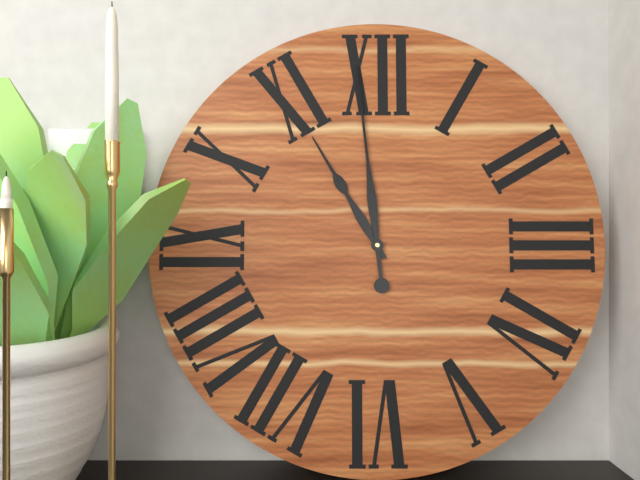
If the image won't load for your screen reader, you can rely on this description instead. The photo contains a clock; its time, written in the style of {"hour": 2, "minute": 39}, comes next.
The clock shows {"hour": 10, "minute": 59}
